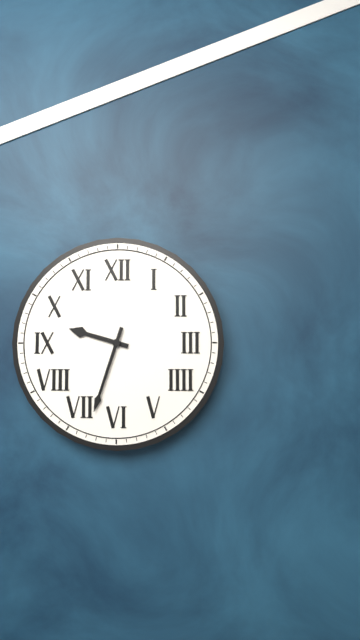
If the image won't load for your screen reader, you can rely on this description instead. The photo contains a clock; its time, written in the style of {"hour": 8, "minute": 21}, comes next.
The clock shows {"hour": 9, "minute": 33}
